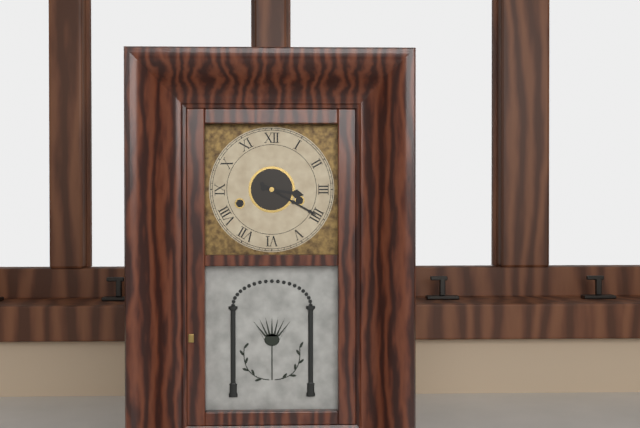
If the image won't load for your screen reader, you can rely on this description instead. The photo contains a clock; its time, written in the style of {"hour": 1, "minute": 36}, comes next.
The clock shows {"hour": 3, "minute": 20}
